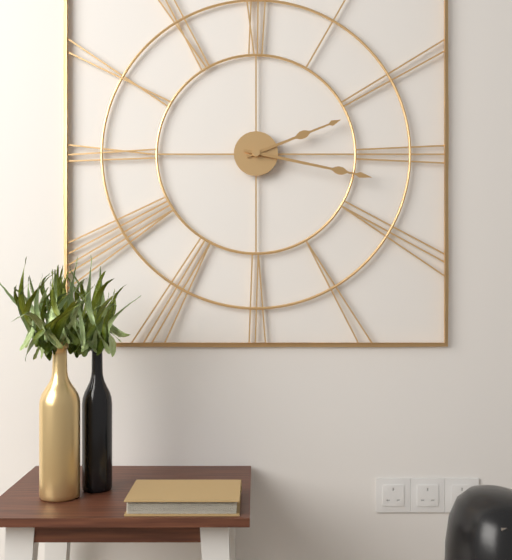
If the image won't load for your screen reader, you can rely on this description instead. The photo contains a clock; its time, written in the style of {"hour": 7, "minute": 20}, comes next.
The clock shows {"hour": 2, "minute": 17}
